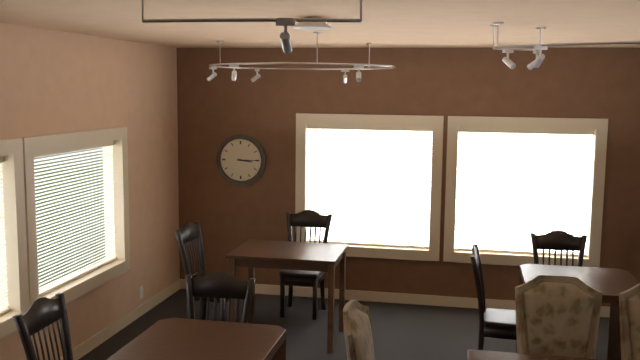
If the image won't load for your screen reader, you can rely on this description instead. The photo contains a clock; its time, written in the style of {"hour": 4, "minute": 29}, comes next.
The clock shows {"hour": 3, "minute": 15}
